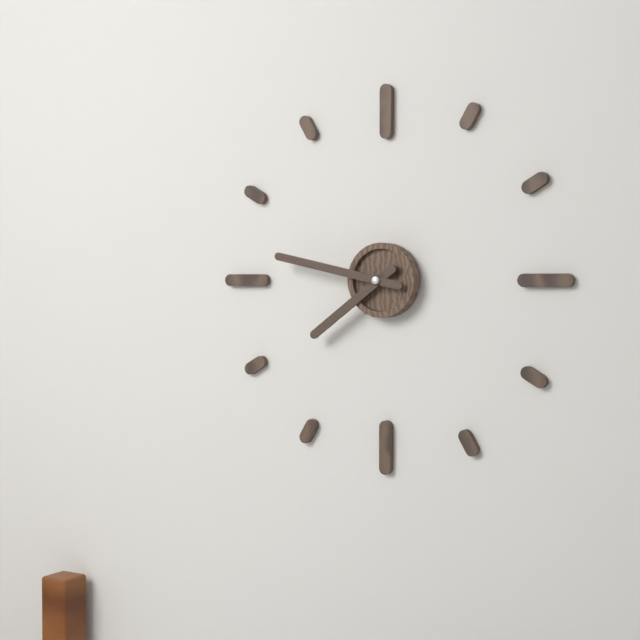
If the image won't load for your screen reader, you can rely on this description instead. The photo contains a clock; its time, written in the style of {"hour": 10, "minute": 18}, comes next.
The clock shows {"hour": 7, "minute": 47}
